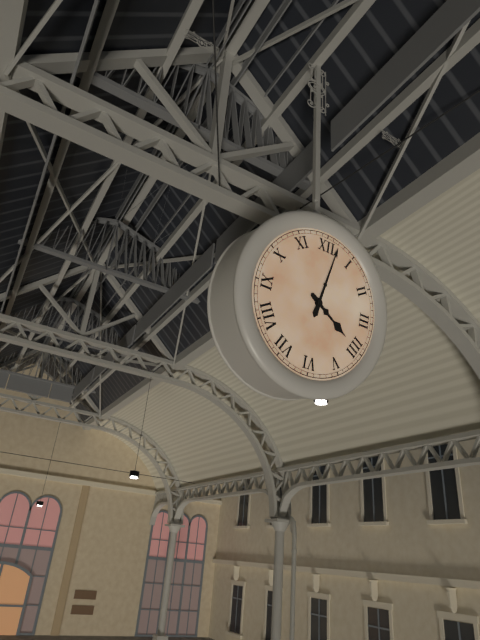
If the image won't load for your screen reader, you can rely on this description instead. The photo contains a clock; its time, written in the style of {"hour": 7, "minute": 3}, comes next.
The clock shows {"hour": 4, "minute": 2}
